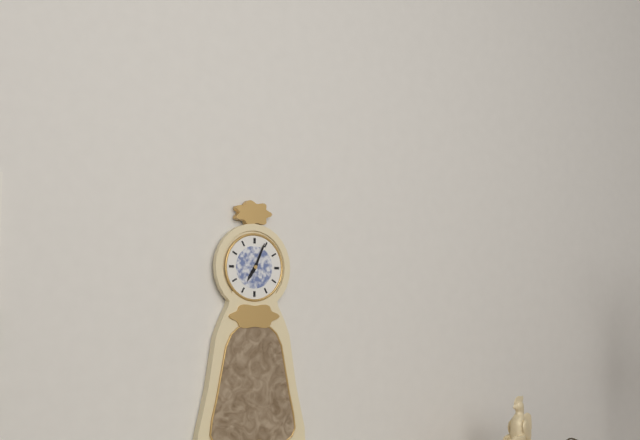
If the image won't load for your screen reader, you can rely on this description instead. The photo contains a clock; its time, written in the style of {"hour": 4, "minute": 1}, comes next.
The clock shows {"hour": 7, "minute": 4}
